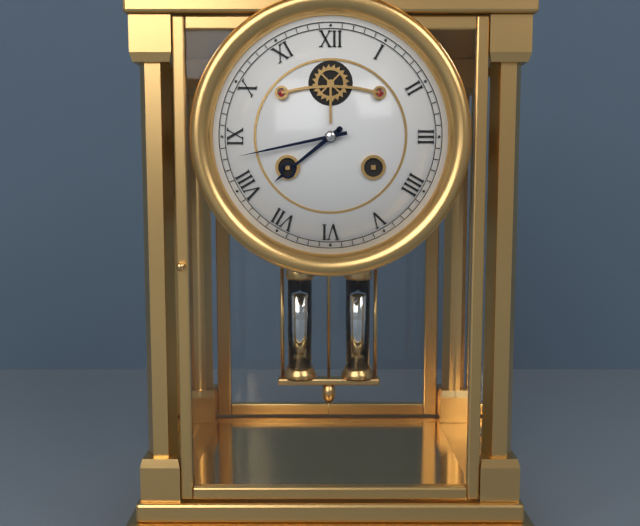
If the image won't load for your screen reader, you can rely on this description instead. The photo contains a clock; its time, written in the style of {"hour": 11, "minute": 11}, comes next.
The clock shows {"hour": 7, "minute": 43}
